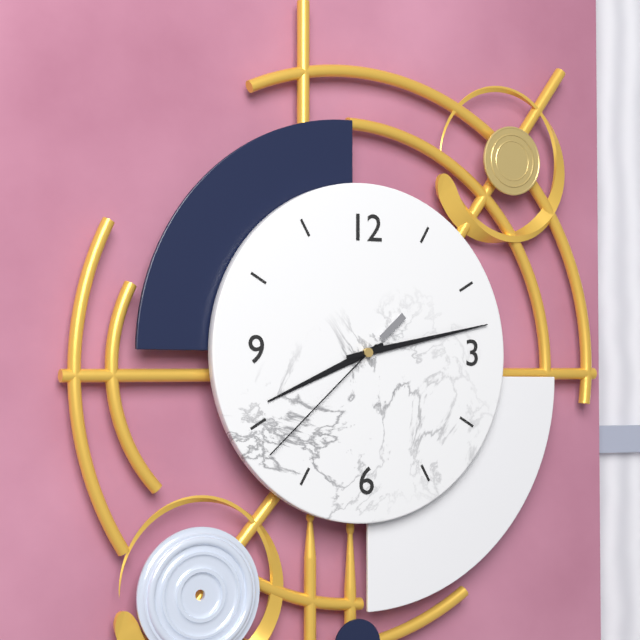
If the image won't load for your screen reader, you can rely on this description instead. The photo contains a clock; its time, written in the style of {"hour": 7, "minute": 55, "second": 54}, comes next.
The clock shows {"hour": 8, "minute": 13, "second": 38}
